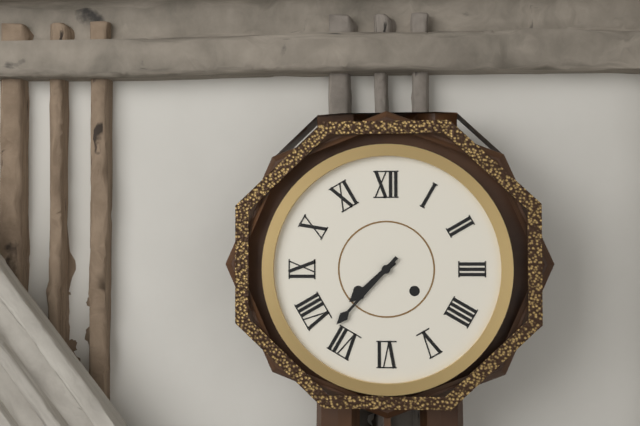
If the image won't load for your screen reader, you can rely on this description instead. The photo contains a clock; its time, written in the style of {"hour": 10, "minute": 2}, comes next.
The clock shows {"hour": 7, "minute": 37}
